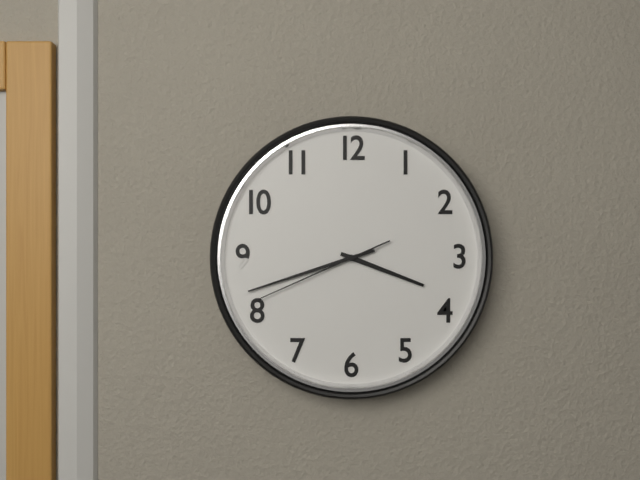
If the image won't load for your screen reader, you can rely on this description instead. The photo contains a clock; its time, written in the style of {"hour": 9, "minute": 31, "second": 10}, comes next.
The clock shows {"hour": 3, "minute": 42, "second": 41}
